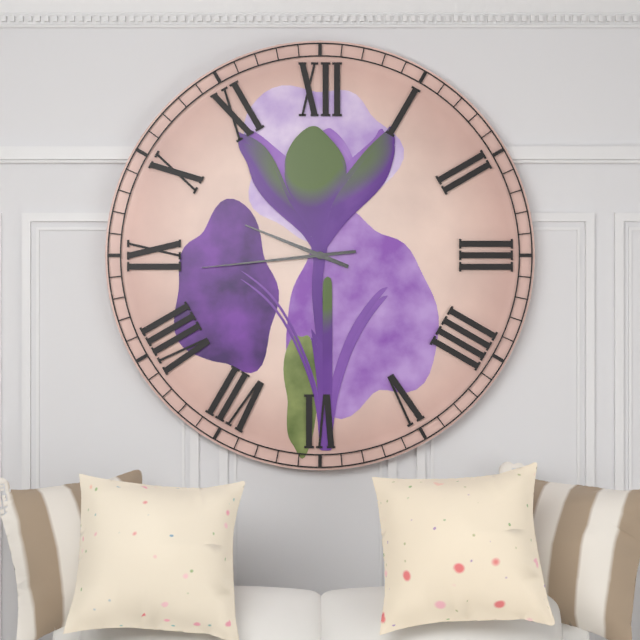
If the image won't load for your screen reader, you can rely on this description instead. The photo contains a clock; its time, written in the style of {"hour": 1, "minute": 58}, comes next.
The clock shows {"hour": 9, "minute": 44}
